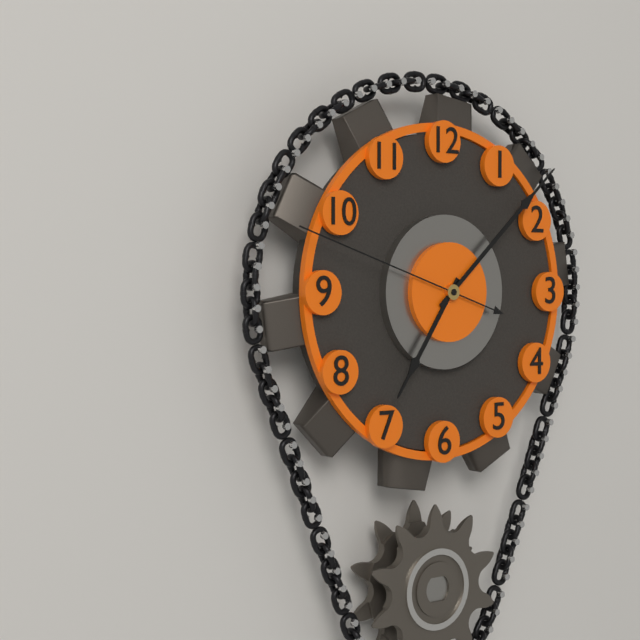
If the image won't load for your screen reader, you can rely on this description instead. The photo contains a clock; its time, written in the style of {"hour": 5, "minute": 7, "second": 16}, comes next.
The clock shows {"hour": 7, "minute": 8, "second": 48}
